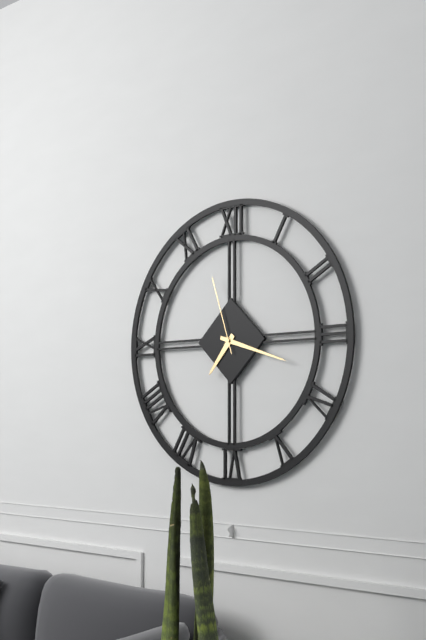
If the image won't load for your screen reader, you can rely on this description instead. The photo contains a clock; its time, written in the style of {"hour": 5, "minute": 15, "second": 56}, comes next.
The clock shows {"hour": 7, "minute": 18, "second": 57}
